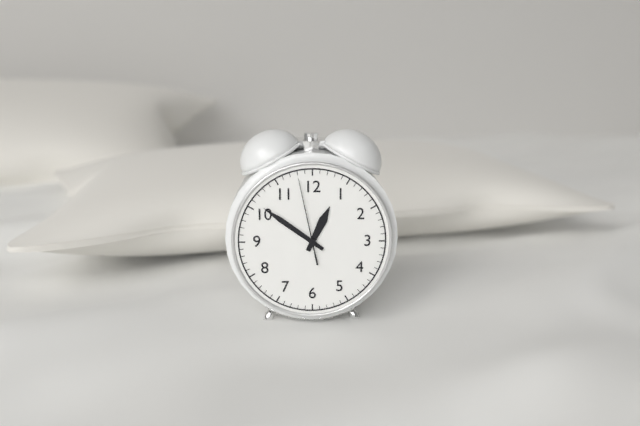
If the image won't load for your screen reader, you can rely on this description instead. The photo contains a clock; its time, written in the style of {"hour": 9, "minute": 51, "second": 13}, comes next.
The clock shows {"hour": 12, "minute": 51, "second": 58}
